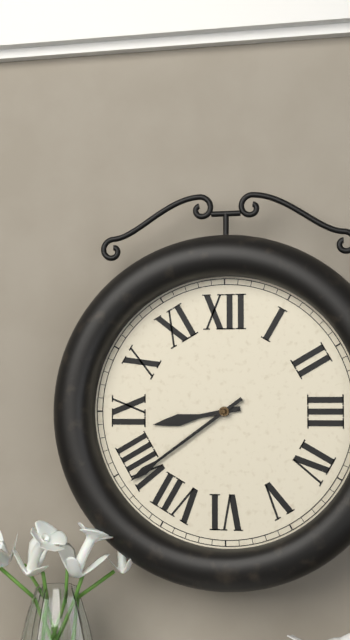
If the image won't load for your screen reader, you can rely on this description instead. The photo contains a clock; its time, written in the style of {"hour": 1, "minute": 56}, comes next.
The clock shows {"hour": 8, "minute": 39}
